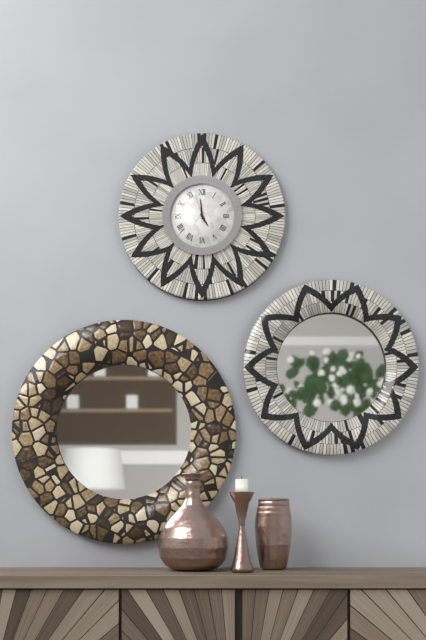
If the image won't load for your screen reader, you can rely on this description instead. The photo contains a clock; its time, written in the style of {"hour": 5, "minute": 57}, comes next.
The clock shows {"hour": 4, "minute": 59}
